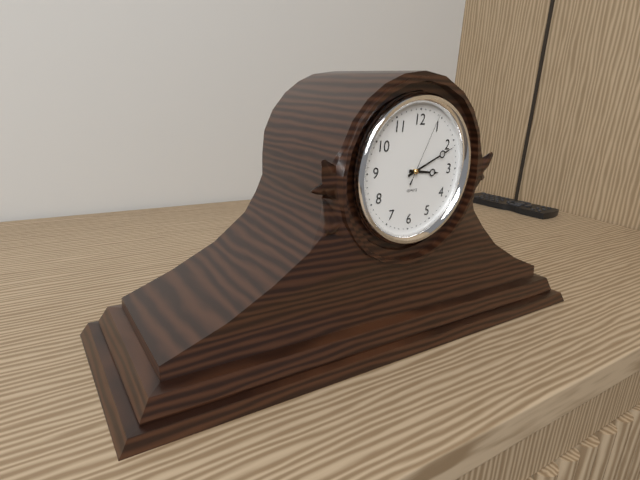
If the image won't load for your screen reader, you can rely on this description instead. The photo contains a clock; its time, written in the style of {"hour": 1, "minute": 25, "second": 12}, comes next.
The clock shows {"hour": 3, "minute": 11, "second": 4}
